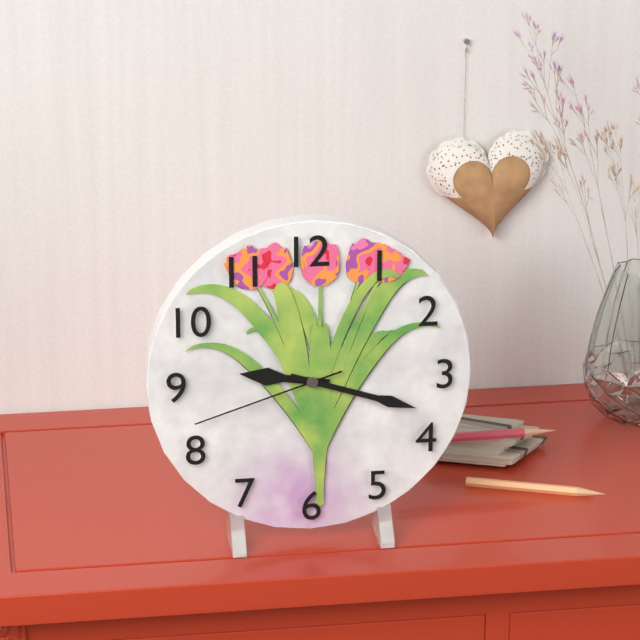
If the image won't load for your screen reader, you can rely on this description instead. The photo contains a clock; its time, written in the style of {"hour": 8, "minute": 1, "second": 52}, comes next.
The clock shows {"hour": 9, "minute": 18, "second": 42}
